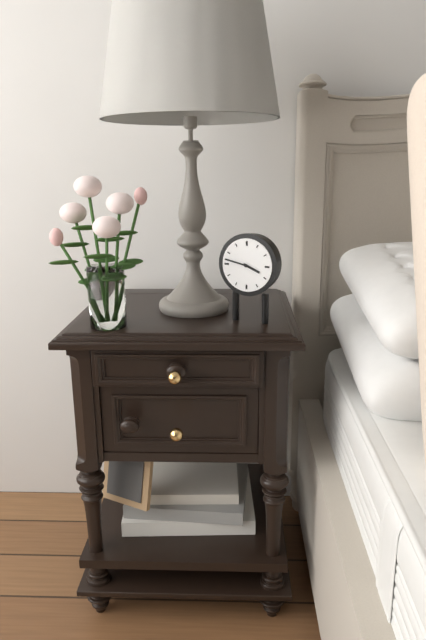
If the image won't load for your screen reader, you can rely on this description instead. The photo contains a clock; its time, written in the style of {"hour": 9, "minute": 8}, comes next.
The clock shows {"hour": 3, "minute": 47}
